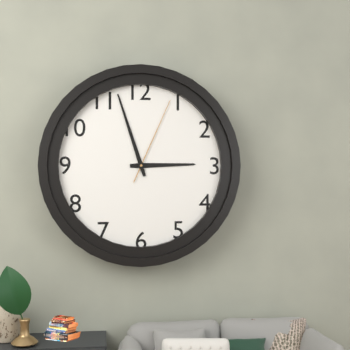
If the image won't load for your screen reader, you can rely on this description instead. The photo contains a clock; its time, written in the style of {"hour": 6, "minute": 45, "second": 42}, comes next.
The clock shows {"hour": 2, "minute": 57, "second": 4}
